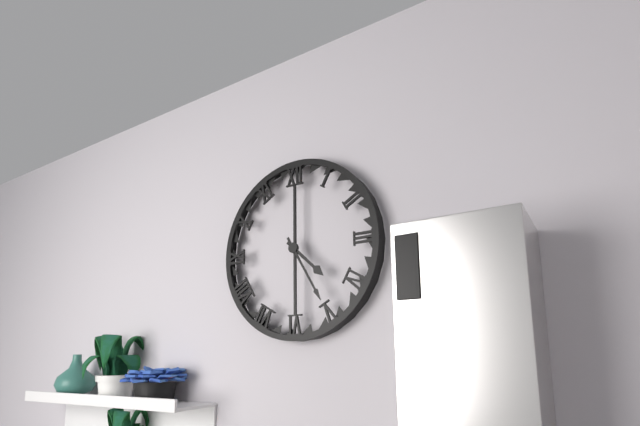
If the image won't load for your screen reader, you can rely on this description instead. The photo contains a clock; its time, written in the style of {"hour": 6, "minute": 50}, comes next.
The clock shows {"hour": 4, "minute": 25}
